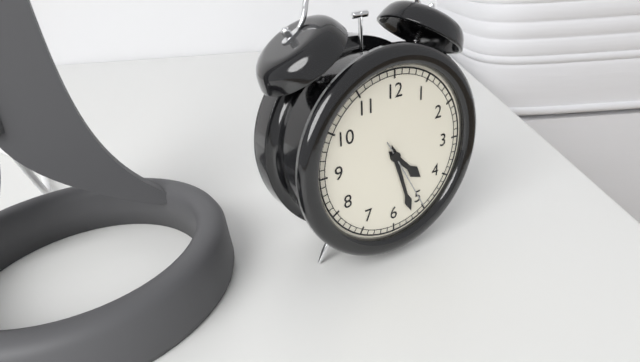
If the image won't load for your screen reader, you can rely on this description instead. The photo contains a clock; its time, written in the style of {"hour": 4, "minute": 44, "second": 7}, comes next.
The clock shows {"hour": 4, "minute": 27, "second": 25}
